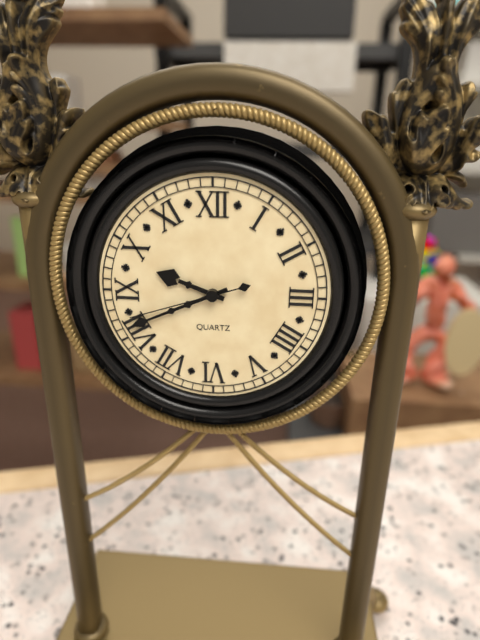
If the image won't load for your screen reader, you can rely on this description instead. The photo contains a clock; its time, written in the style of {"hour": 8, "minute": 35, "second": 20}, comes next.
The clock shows {"hour": 9, "minute": 41, "second": 42}
